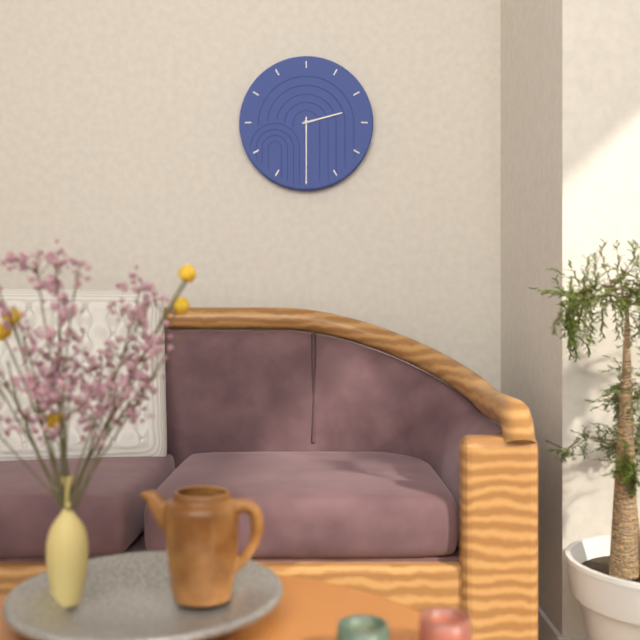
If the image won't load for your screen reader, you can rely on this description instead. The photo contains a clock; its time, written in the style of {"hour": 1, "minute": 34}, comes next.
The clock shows {"hour": 2, "minute": 30}
